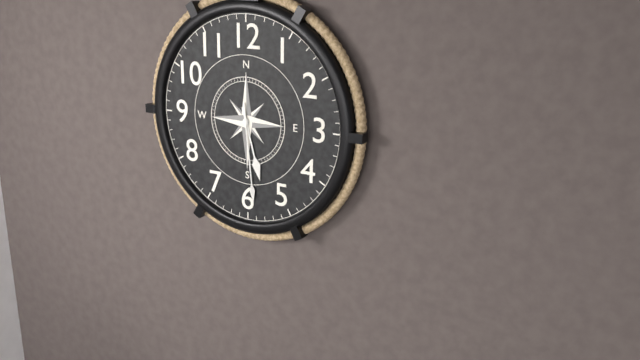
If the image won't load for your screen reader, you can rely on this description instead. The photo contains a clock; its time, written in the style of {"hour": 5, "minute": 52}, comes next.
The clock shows {"hour": 5, "minute": 29}
